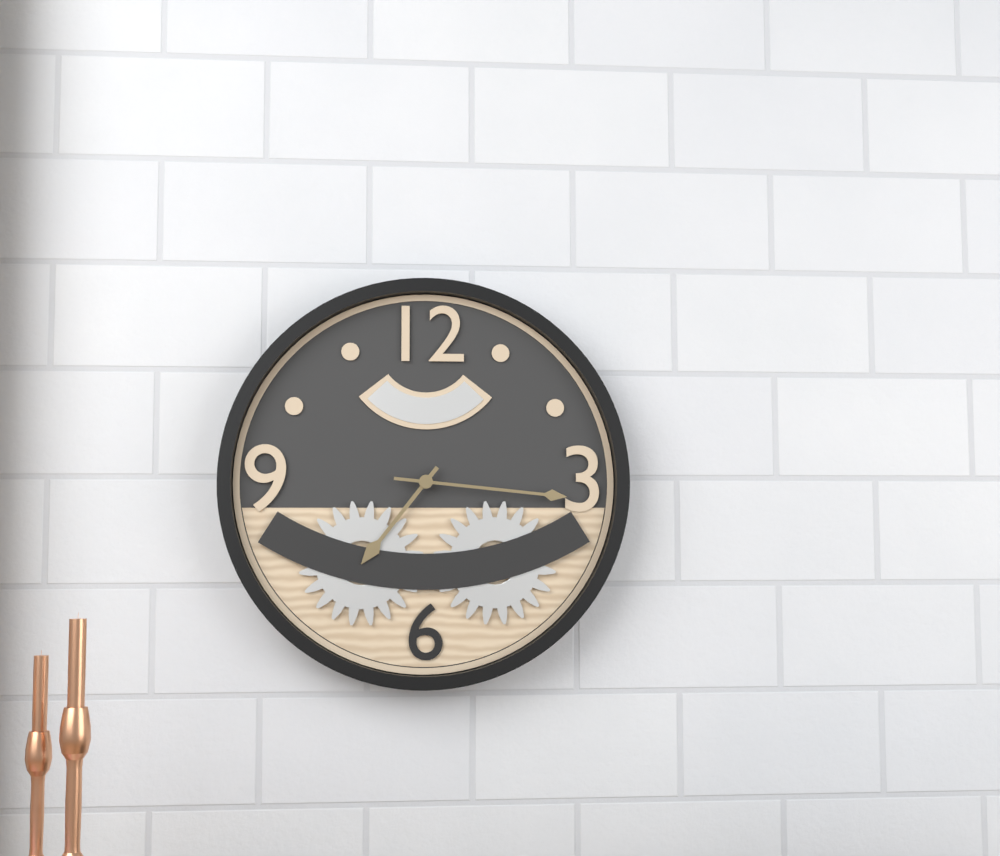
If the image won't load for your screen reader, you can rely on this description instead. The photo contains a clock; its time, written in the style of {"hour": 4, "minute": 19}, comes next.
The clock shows {"hour": 7, "minute": 16}
